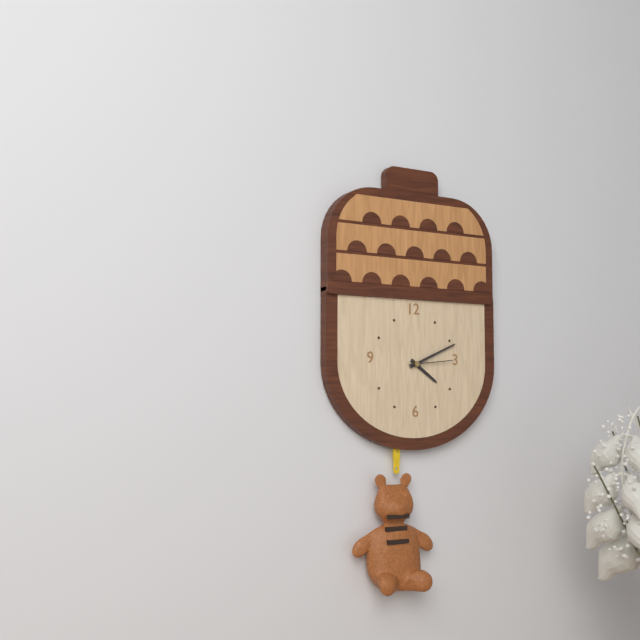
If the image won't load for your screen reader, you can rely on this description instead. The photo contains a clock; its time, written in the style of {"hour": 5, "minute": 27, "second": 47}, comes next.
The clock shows {"hour": 4, "minute": 11, "second": 14}
